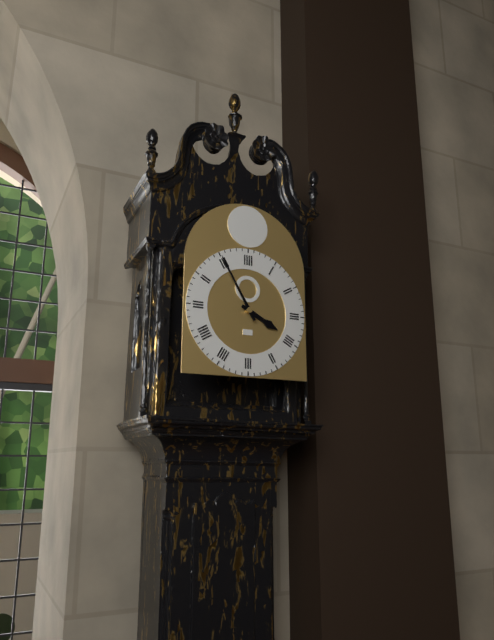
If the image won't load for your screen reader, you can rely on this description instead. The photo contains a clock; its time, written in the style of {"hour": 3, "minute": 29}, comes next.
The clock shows {"hour": 3, "minute": 55}
